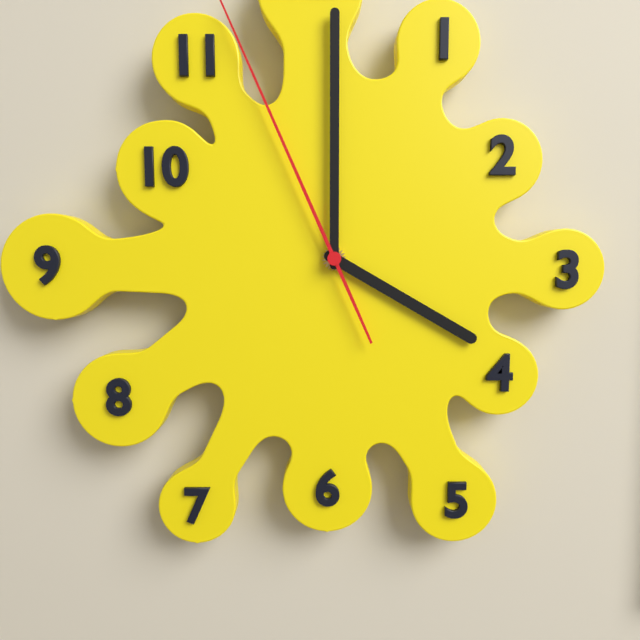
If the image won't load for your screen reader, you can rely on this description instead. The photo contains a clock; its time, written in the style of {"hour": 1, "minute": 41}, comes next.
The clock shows {"hour": 4, "minute": 0}
